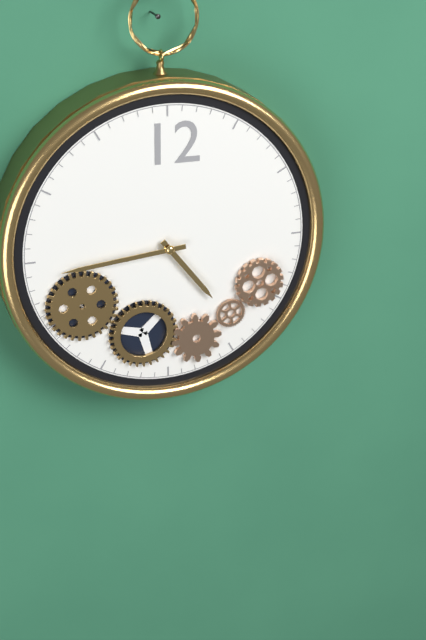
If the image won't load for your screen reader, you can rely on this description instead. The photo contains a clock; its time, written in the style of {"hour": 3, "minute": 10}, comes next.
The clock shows {"hour": 4, "minute": 44}
